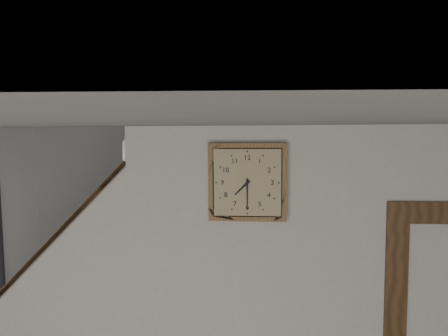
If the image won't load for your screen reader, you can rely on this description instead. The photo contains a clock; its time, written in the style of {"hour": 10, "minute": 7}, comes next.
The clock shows {"hour": 7, "minute": 30}
